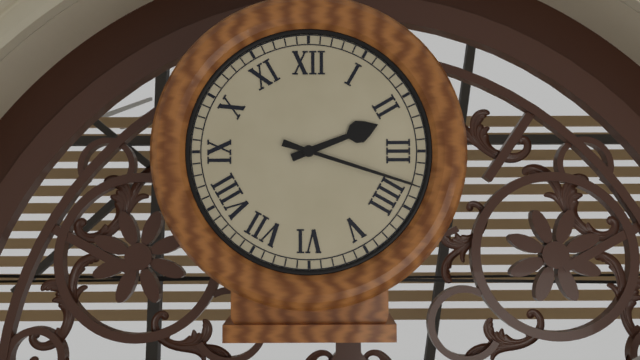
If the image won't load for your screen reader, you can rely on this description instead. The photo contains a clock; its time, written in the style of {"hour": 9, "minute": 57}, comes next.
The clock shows {"hour": 2, "minute": 18}
